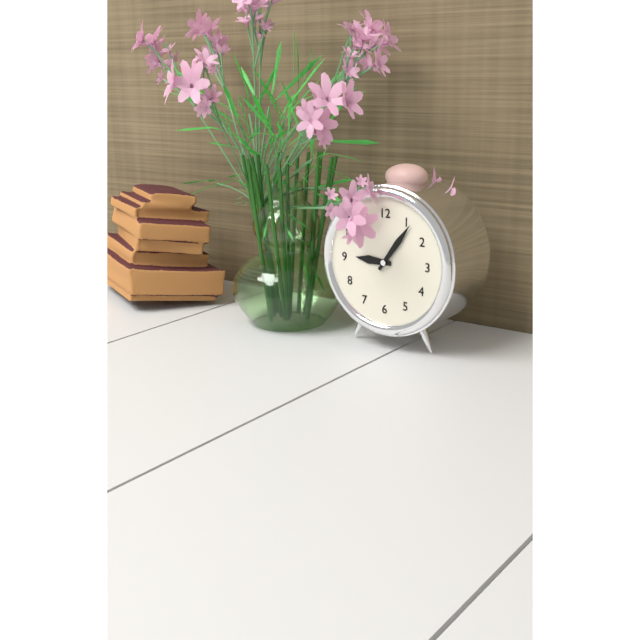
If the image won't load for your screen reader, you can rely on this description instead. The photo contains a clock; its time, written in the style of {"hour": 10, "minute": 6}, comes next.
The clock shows {"hour": 9, "minute": 6}
